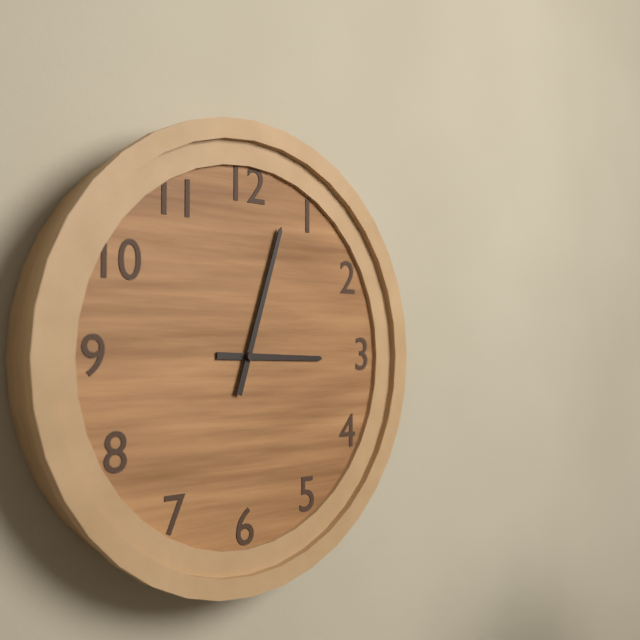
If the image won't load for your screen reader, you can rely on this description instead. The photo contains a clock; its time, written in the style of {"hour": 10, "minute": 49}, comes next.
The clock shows {"hour": 3, "minute": 3}
